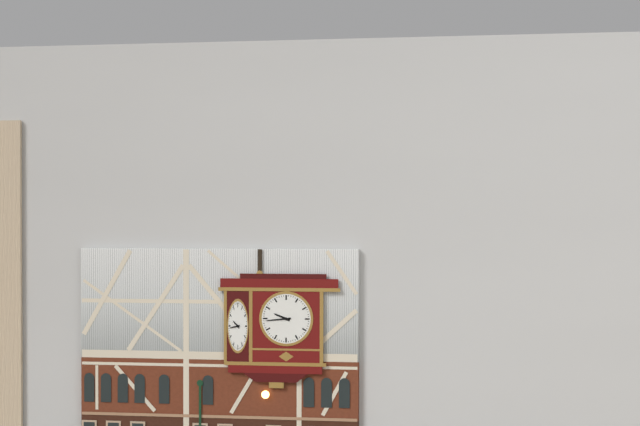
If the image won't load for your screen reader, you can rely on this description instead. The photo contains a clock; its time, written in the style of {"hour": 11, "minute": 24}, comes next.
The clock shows {"hour": 9, "minute": 44}
